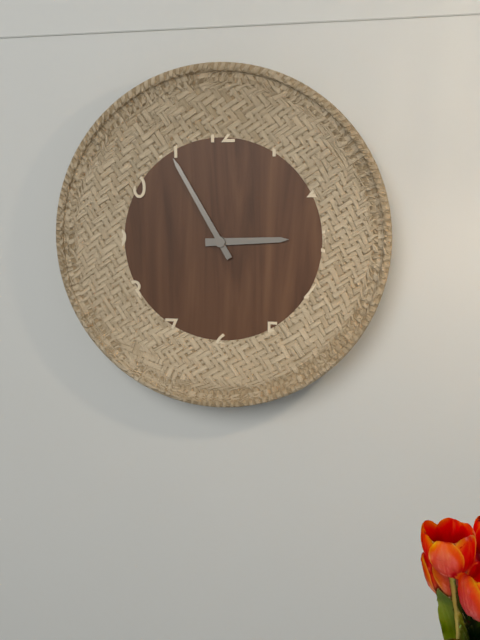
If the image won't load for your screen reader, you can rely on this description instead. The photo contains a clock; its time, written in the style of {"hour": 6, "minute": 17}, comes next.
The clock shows {"hour": 2, "minute": 55}
